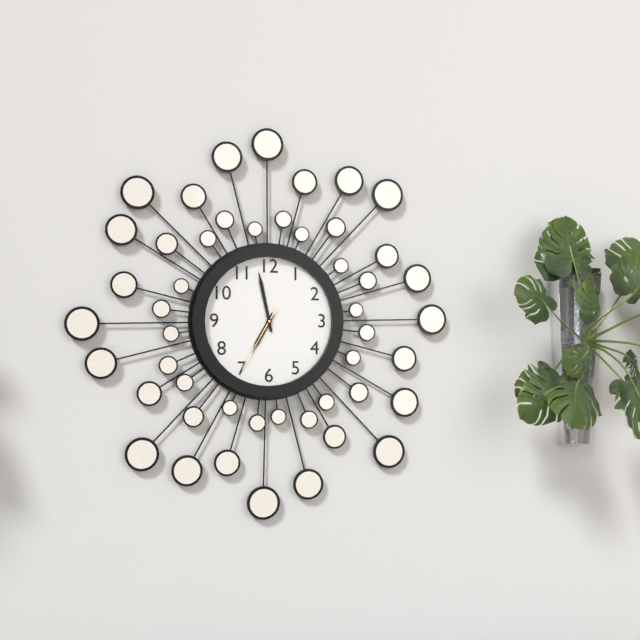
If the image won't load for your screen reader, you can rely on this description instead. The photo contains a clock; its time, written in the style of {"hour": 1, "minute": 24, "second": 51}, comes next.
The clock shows {"hour": 6, "minute": 58, "second": 35}
